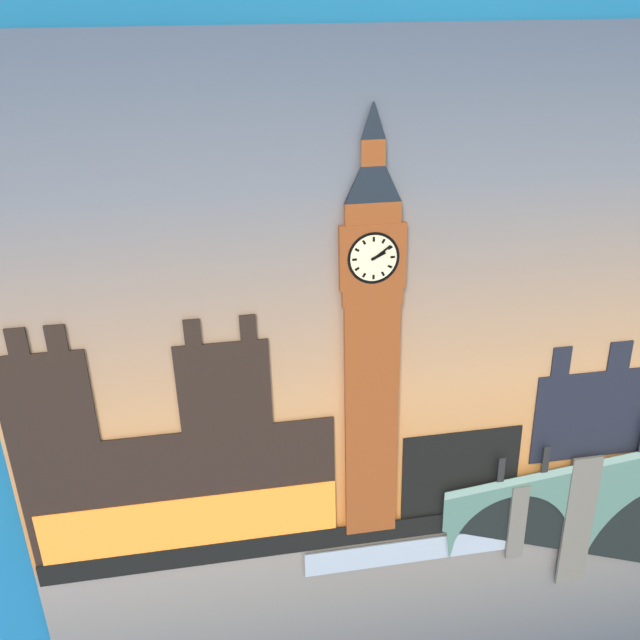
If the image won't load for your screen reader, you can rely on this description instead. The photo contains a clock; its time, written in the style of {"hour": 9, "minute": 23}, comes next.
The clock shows {"hour": 2, "minute": 9}
